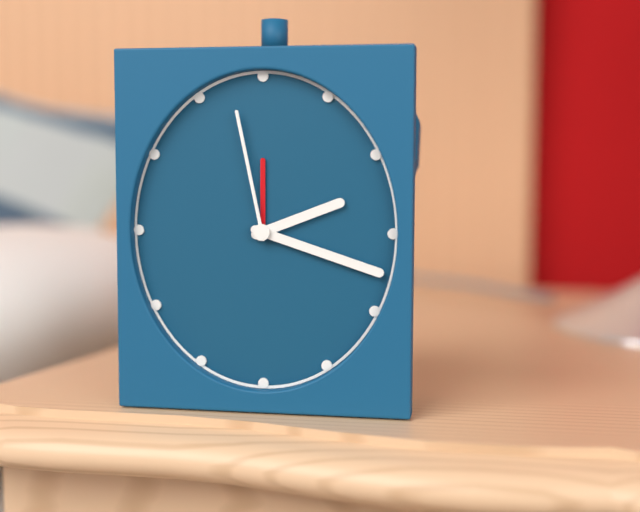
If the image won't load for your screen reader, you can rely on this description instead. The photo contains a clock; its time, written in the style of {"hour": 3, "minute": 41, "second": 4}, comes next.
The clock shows {"hour": 2, "minute": 18, "second": 58}
